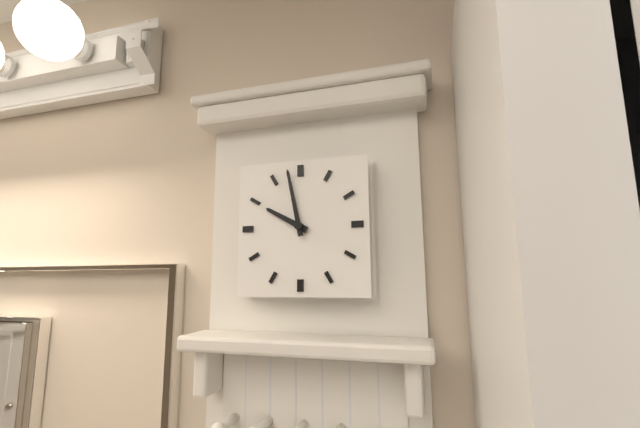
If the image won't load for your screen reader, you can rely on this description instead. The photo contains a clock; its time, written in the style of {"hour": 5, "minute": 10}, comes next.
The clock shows {"hour": 9, "minute": 58}
